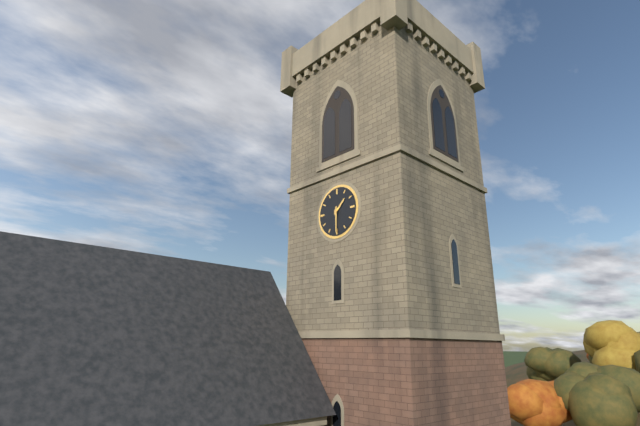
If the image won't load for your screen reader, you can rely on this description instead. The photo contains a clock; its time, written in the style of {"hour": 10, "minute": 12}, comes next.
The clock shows {"hour": 1, "minute": 30}
